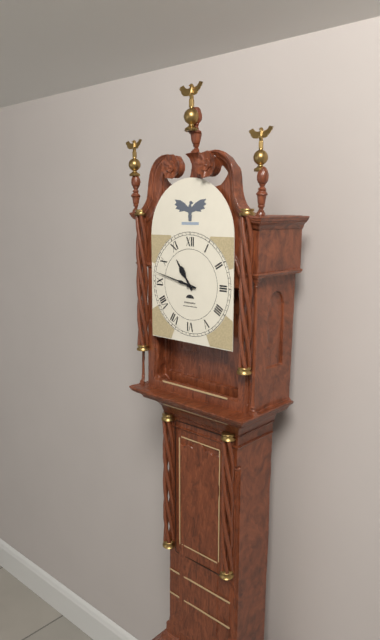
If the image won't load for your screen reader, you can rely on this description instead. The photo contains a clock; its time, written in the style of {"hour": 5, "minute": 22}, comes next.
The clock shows {"hour": 10, "minute": 47}
